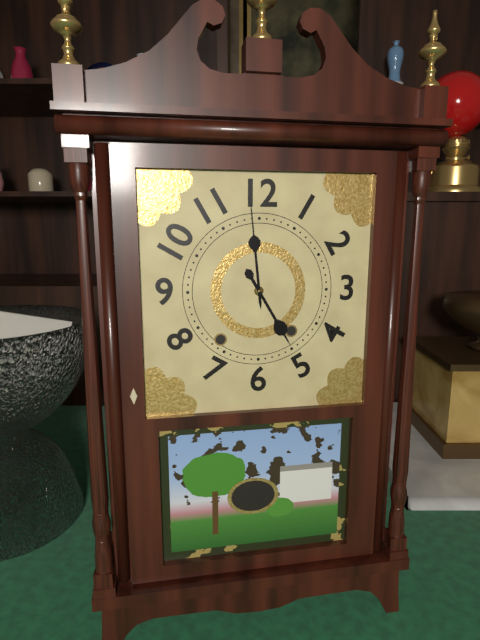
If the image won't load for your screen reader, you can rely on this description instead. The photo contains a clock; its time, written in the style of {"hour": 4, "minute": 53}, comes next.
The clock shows {"hour": 4, "minute": 59}
